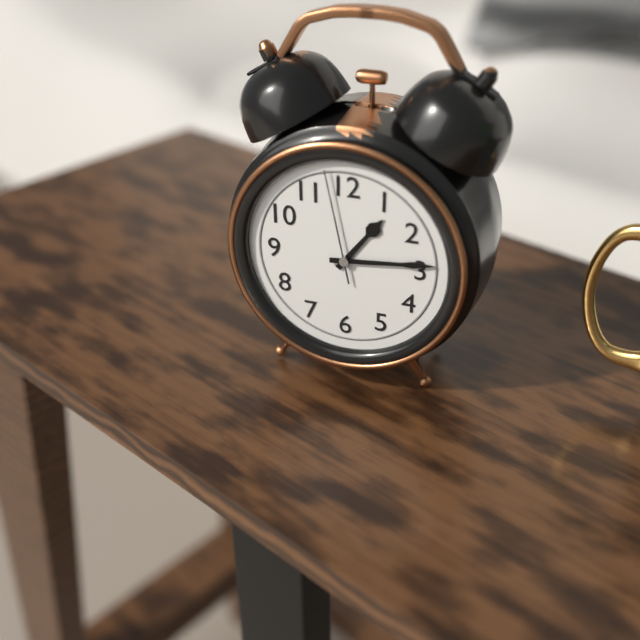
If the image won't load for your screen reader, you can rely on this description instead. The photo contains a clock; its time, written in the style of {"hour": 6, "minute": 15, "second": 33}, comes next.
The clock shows {"hour": 1, "minute": 14, "second": 58}
